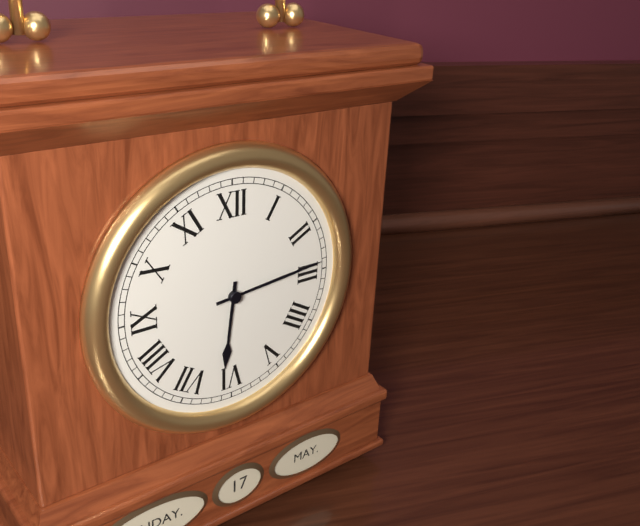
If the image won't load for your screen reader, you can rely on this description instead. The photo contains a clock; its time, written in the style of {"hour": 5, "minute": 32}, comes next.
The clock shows {"hour": 6, "minute": 14}
